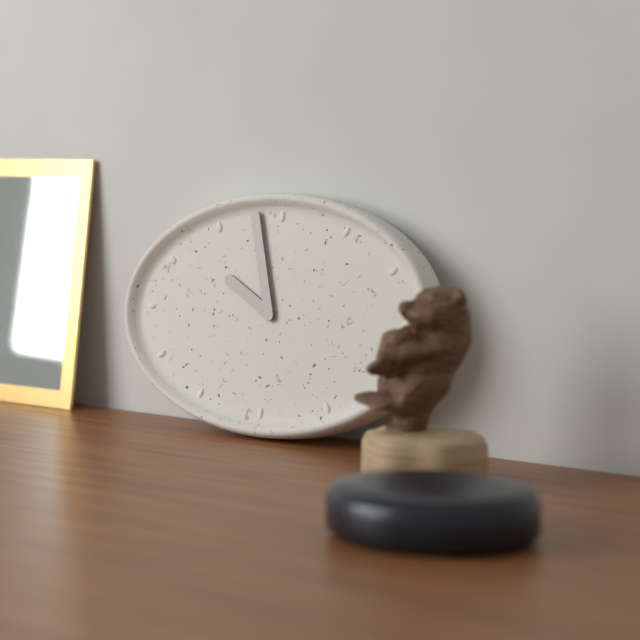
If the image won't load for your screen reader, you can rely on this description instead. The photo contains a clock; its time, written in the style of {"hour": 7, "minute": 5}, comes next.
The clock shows {"hour": 9, "minute": 57}
